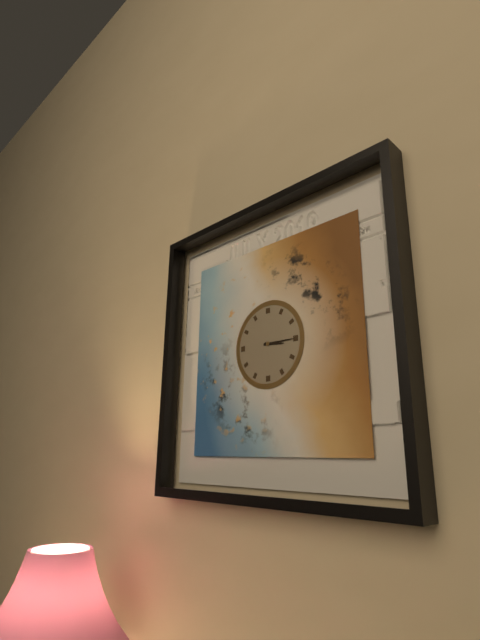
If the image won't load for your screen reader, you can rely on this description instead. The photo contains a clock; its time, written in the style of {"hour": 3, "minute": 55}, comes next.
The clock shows {"hour": 3, "minute": 15}
